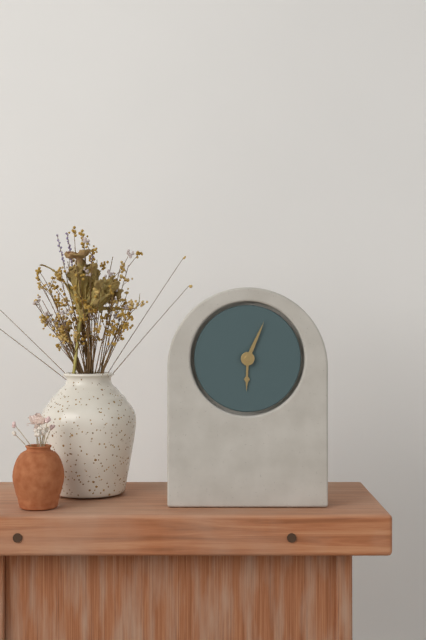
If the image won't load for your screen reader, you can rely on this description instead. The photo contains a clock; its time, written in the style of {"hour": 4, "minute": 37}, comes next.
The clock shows {"hour": 6, "minute": 4}
